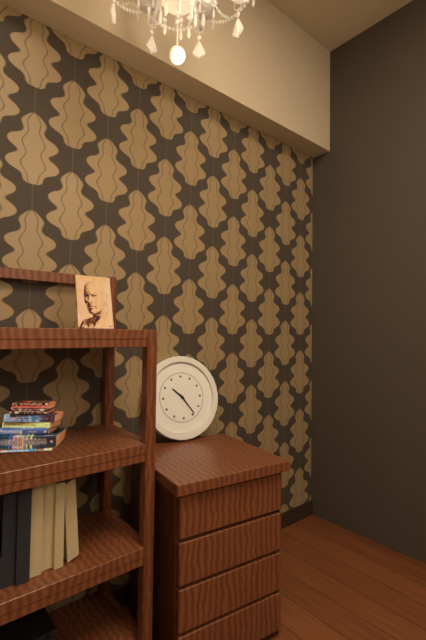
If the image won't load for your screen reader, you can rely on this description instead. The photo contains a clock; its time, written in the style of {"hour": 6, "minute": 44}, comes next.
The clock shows {"hour": 10, "minute": 24}
